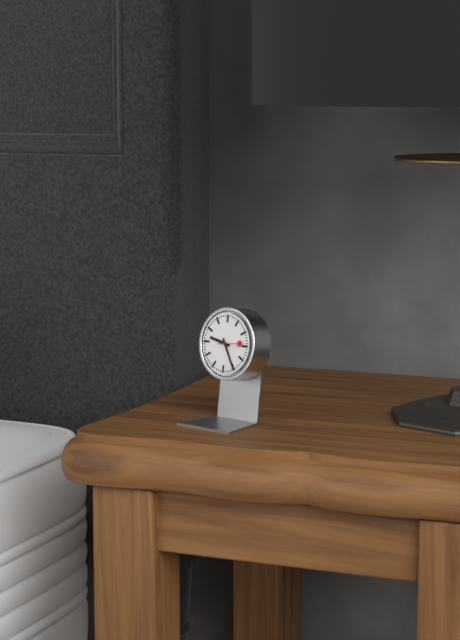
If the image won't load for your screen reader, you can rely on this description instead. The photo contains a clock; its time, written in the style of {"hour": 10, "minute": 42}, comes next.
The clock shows {"hour": 9, "minute": 25}
